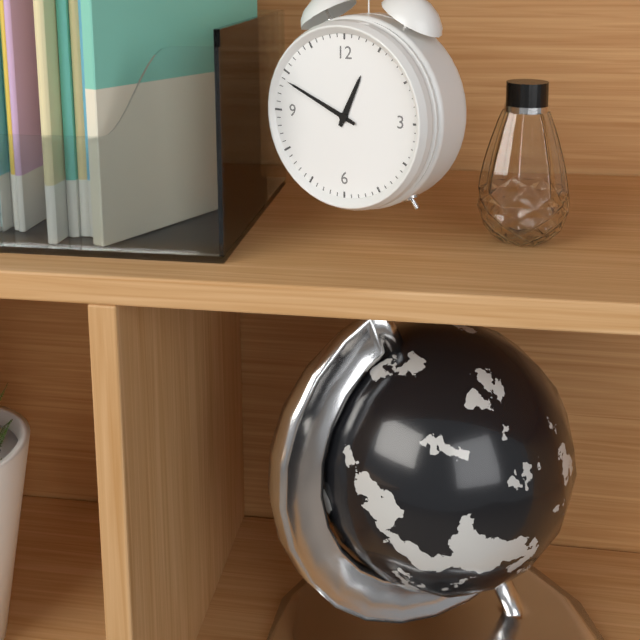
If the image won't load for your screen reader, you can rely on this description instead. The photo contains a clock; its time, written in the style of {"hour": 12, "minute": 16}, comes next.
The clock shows {"hour": 12, "minute": 49}
